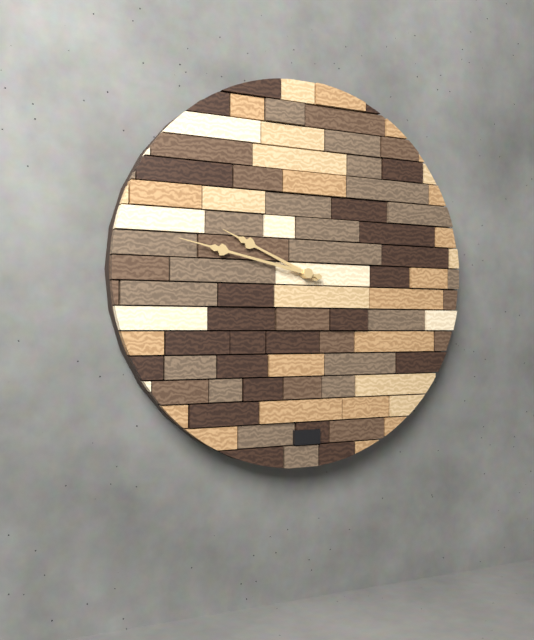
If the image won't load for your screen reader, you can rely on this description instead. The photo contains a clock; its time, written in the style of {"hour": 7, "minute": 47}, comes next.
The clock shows {"hour": 9, "minute": 47}
